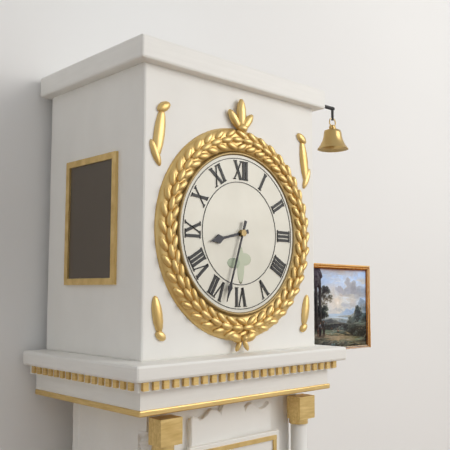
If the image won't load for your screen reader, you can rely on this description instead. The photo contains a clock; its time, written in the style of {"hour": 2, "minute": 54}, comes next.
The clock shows {"hour": 8, "minute": 33}
